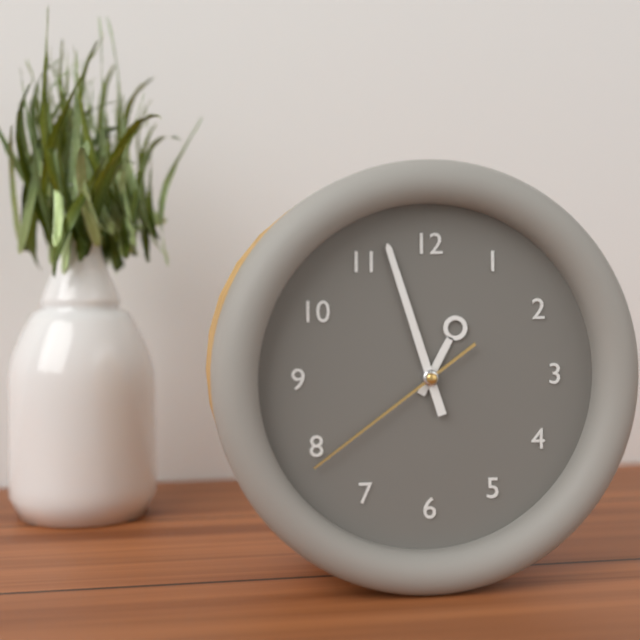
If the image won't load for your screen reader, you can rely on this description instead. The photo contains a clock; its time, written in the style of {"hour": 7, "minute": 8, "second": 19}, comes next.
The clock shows {"hour": 12, "minute": 57, "second": 39}
